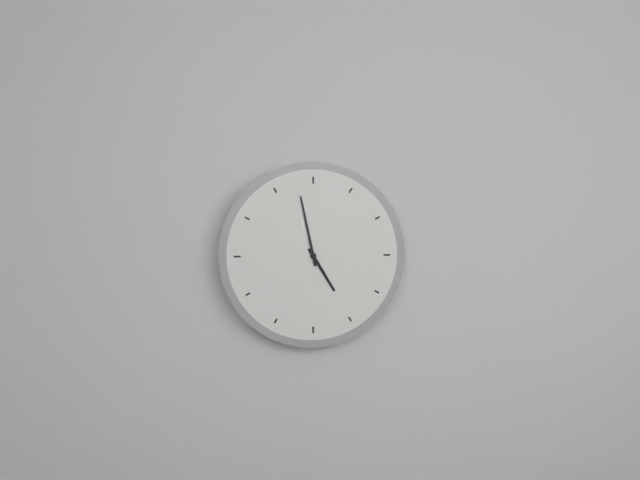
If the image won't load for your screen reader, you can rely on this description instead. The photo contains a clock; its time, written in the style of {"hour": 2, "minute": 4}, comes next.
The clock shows {"hour": 4, "minute": 58}
